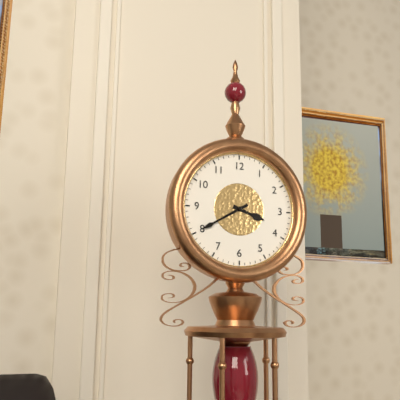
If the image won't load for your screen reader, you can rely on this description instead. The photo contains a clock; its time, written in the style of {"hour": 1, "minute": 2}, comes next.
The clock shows {"hour": 3, "minute": 40}
